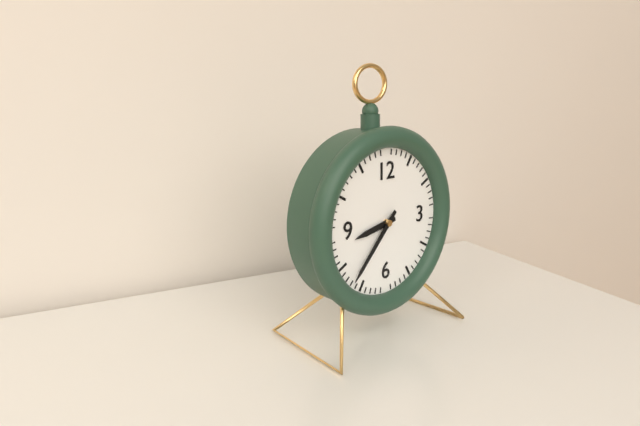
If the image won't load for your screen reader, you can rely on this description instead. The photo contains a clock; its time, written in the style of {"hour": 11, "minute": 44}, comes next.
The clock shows {"hour": 8, "minute": 37}
